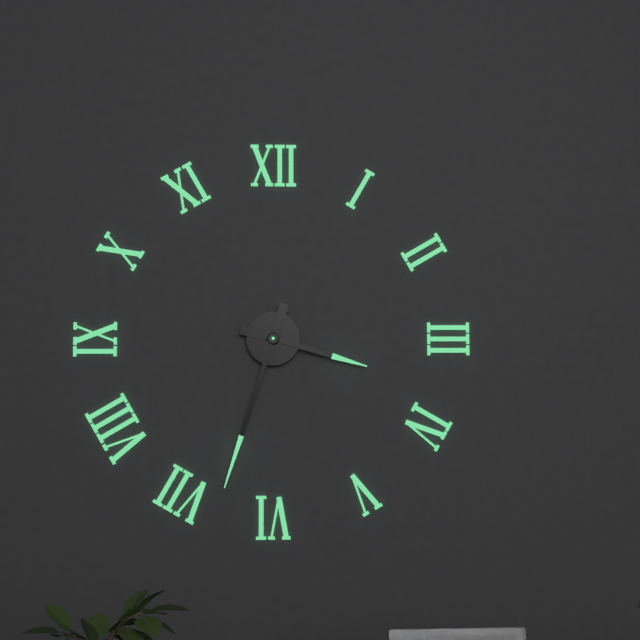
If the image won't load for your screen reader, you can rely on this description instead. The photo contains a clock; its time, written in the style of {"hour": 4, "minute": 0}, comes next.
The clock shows {"hour": 3, "minute": 33}
